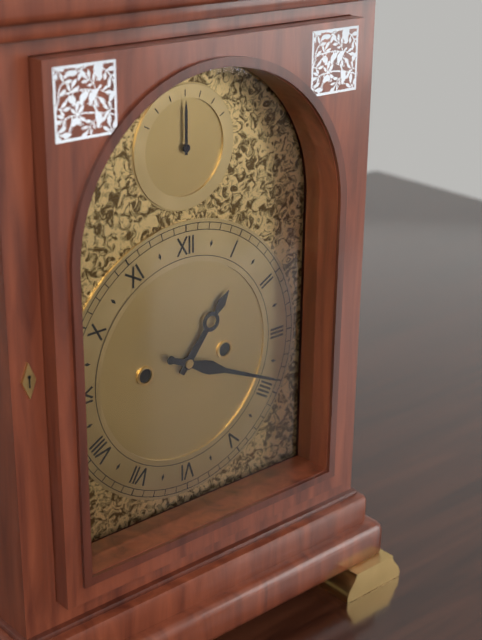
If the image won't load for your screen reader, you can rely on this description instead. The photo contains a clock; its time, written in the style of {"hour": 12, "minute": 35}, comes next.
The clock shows {"hour": 1, "minute": 19}
